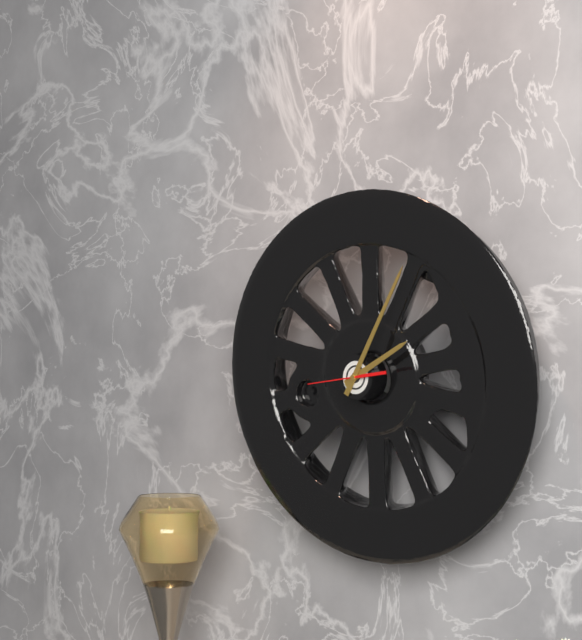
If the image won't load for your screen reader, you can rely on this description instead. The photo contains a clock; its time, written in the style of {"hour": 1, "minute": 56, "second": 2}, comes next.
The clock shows {"hour": 2, "minute": 5, "second": 44}
